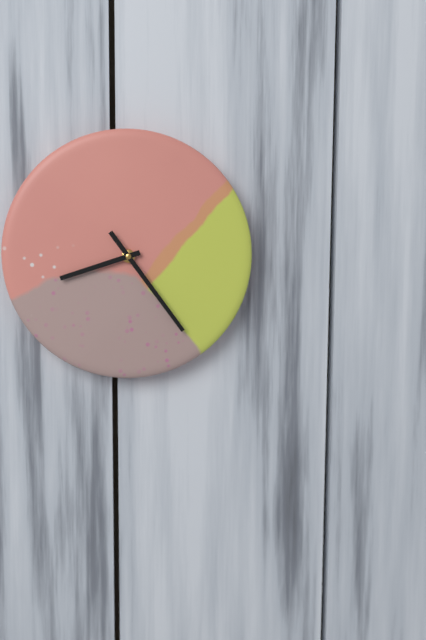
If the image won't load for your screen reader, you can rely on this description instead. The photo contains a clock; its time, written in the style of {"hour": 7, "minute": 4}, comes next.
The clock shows {"hour": 8, "minute": 24}
